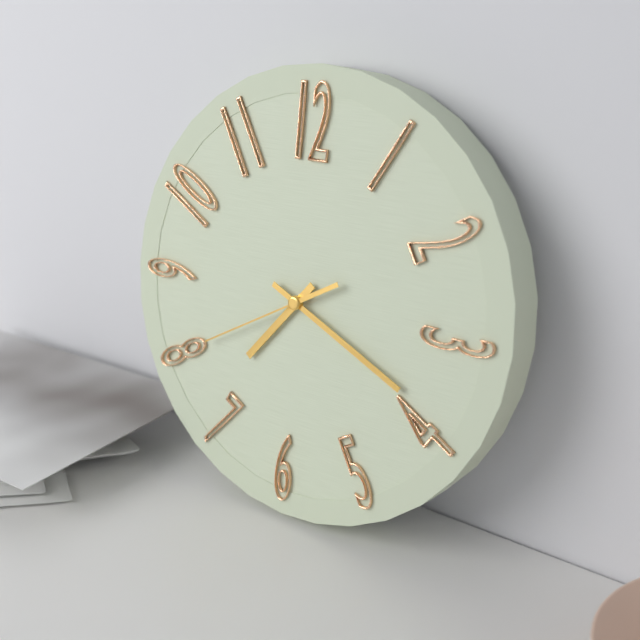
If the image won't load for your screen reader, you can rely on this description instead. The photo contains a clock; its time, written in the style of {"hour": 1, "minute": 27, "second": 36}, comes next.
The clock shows {"hour": 7, "minute": 19, "second": 40}
